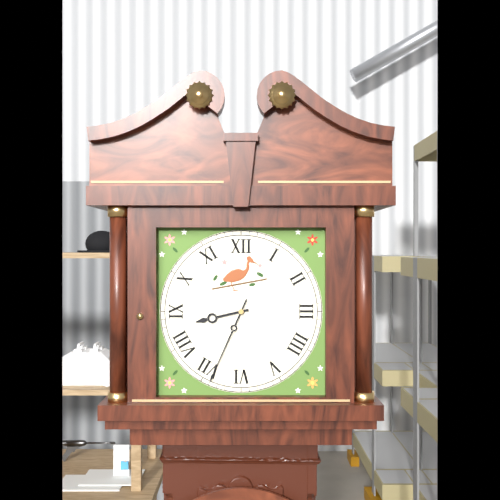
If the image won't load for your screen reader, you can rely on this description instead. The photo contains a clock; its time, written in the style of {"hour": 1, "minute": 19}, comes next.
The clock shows {"hour": 8, "minute": 34}
